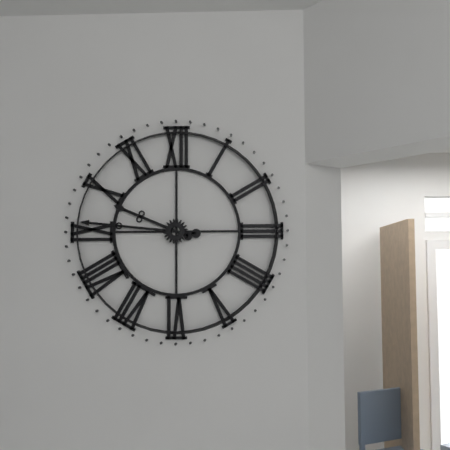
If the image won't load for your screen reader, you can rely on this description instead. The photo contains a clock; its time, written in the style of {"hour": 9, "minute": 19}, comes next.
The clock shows {"hour": 9, "minute": 46}
